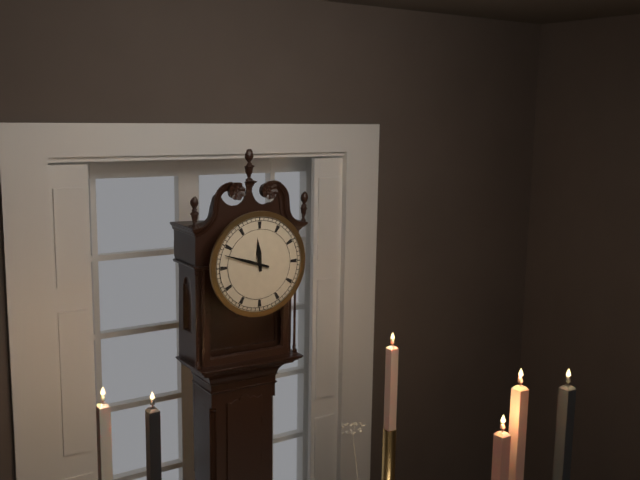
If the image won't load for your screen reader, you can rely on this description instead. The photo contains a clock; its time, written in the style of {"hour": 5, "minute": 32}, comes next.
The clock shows {"hour": 11, "minute": 48}
